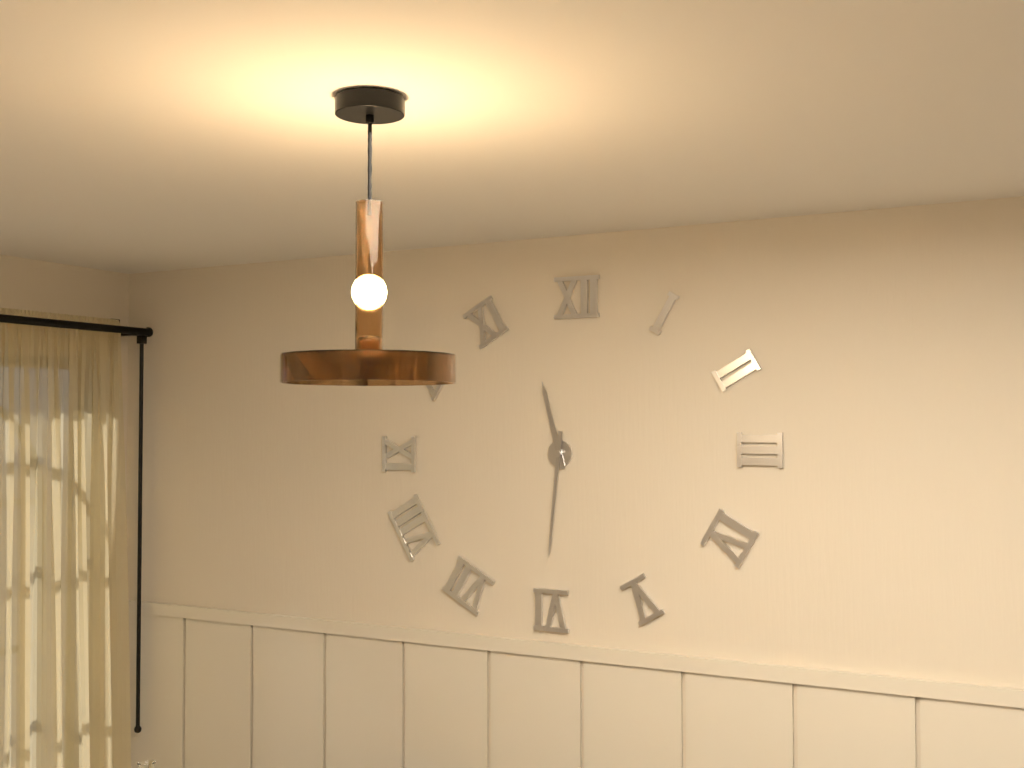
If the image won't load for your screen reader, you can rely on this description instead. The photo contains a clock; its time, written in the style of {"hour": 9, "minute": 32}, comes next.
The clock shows {"hour": 11, "minute": 31}
